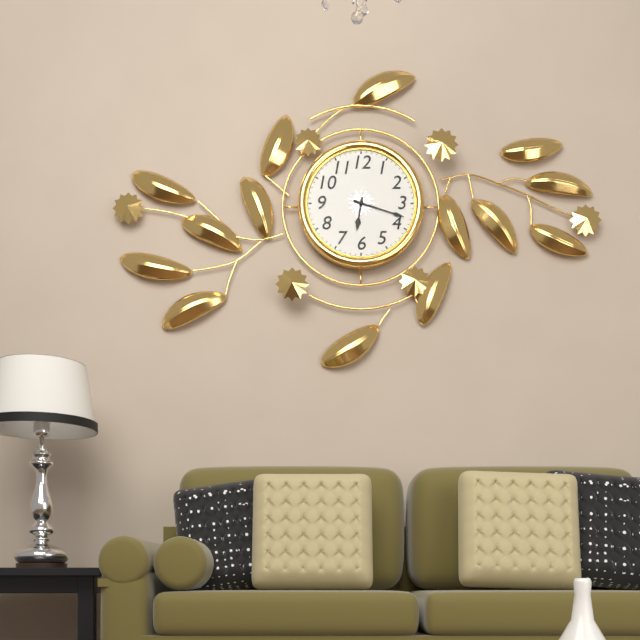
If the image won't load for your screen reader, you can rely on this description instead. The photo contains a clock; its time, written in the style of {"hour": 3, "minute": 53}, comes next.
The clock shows {"hour": 6, "minute": 18}
